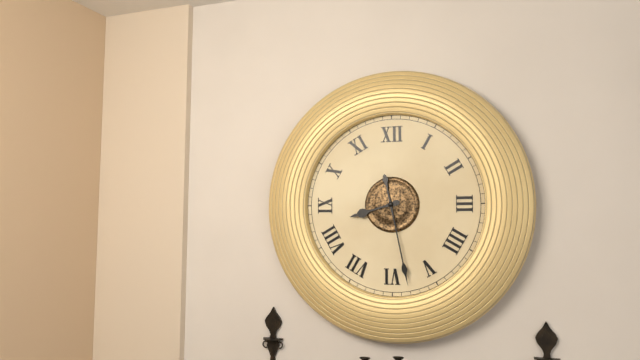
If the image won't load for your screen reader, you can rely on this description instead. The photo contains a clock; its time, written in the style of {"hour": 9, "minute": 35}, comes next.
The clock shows {"hour": 8, "minute": 28}
